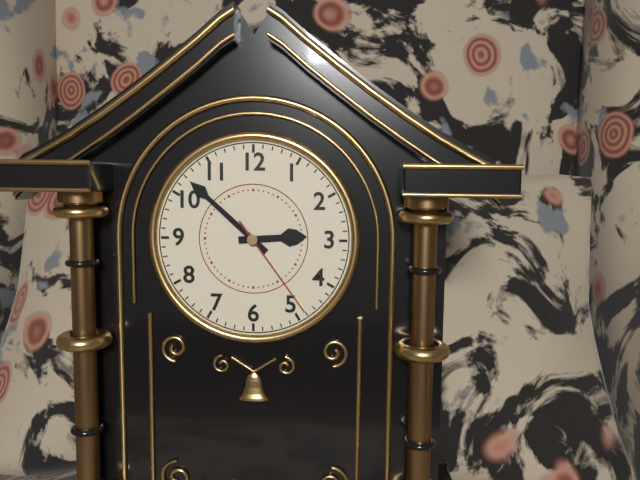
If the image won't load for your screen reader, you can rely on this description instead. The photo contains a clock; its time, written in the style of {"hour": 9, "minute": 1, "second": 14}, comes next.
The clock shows {"hour": 2, "minute": 52, "second": 24}
